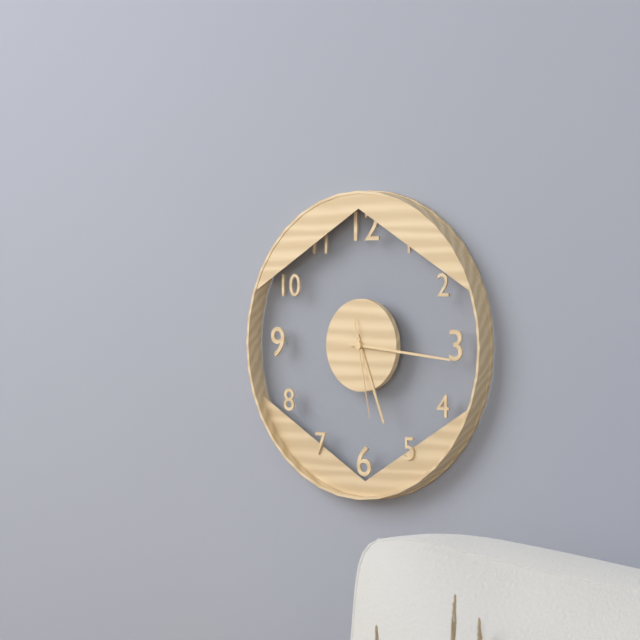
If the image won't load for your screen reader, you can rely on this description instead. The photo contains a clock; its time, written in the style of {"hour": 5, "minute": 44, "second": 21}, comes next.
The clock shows {"hour": 5, "minute": 16, "second": 28}
